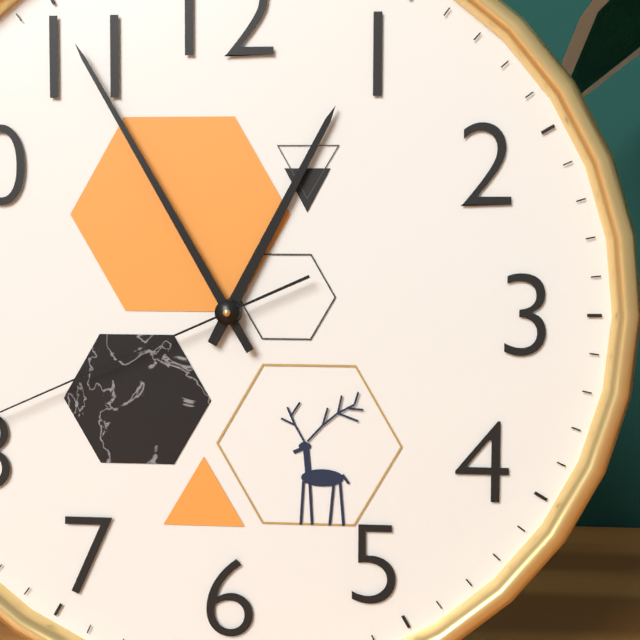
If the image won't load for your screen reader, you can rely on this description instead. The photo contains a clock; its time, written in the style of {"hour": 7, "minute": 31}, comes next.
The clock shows {"hour": 12, "minute": 55}
